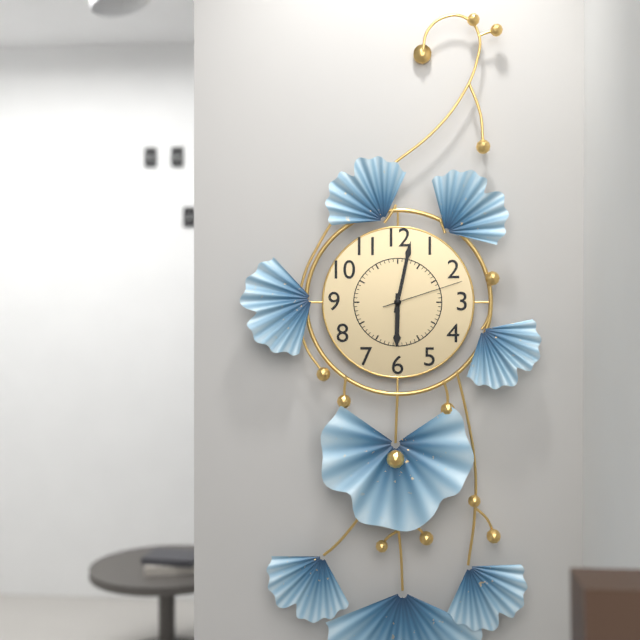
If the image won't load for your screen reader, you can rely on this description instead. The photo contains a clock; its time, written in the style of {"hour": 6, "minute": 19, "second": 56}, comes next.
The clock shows {"hour": 6, "minute": 2, "second": 12}
